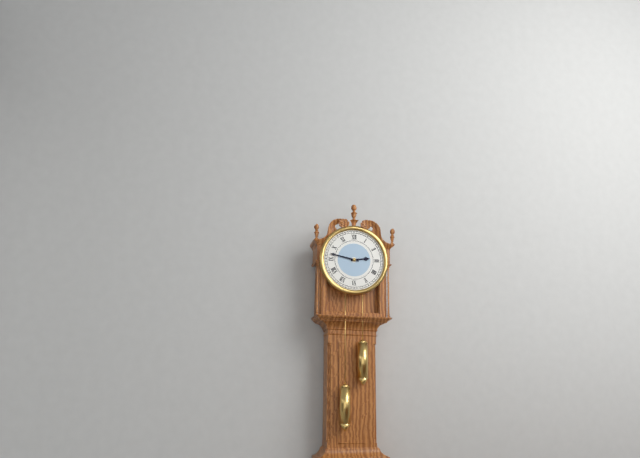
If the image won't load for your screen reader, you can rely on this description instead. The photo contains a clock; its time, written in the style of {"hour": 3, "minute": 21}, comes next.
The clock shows {"hour": 2, "minute": 47}
